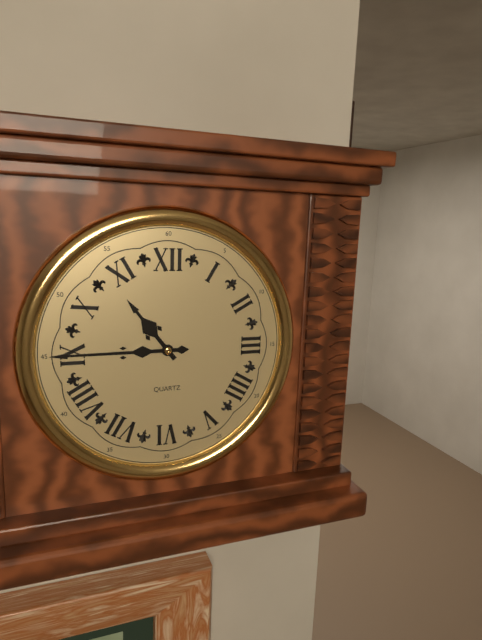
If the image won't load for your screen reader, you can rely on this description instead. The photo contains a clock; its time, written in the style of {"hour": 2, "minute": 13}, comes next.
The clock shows {"hour": 10, "minute": 45}
